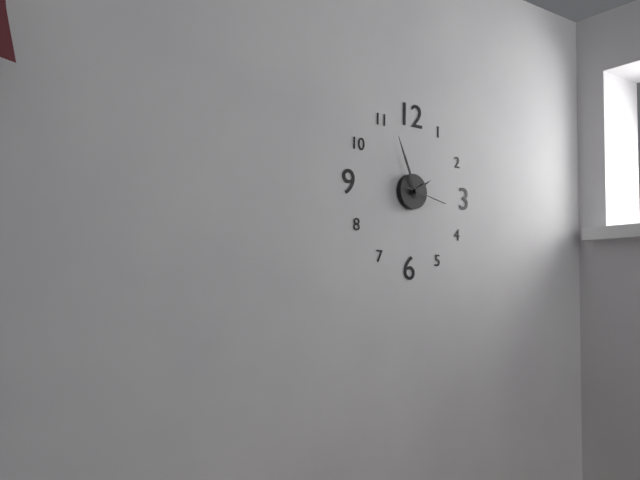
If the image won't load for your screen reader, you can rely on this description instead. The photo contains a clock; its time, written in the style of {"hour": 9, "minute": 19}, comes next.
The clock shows {"hour": 1, "minute": 56}
